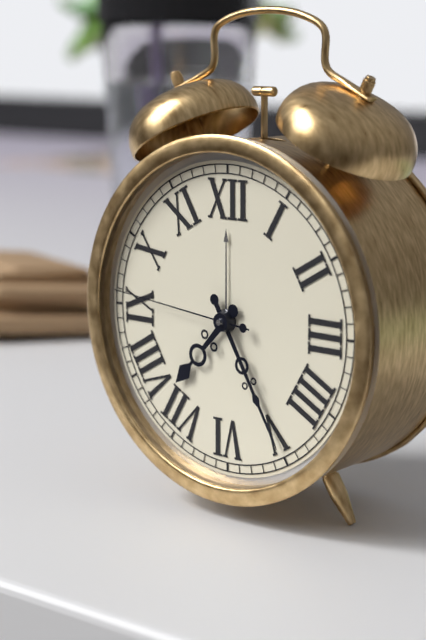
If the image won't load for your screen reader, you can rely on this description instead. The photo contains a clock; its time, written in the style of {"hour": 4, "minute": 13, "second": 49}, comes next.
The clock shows {"hour": 7, "minute": 25, "second": 46}
